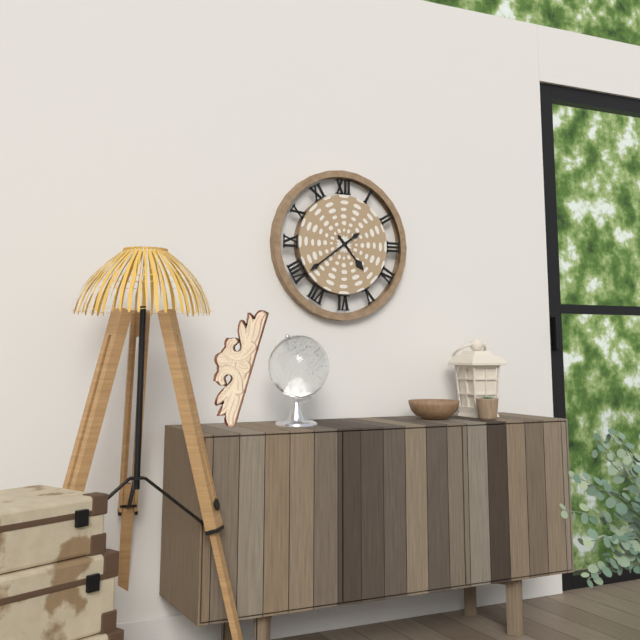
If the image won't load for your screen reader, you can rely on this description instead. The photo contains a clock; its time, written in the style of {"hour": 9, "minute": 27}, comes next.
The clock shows {"hour": 4, "minute": 39}
